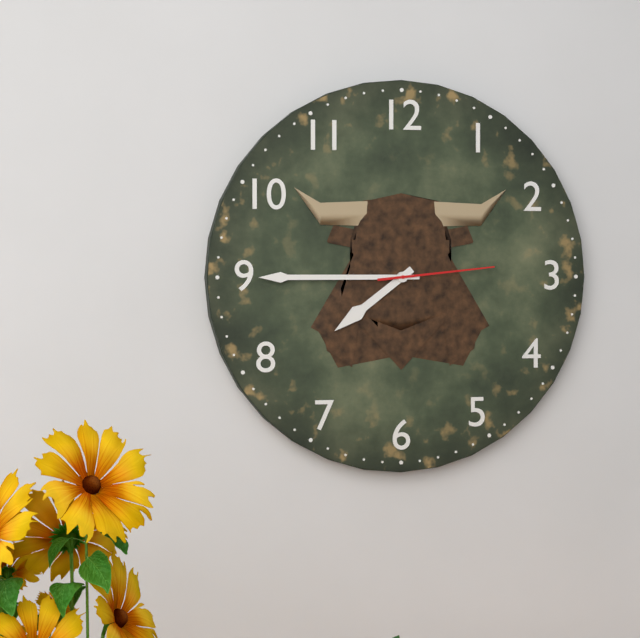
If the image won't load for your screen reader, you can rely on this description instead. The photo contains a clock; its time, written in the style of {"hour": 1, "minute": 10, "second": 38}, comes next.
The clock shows {"hour": 7, "minute": 45, "second": 14}
